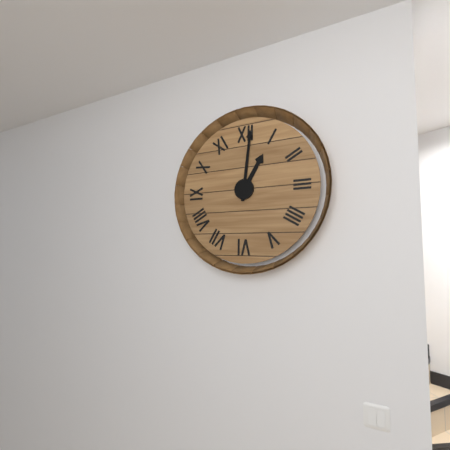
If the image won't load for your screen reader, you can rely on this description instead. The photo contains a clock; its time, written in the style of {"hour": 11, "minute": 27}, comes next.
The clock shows {"hour": 1, "minute": 1}
